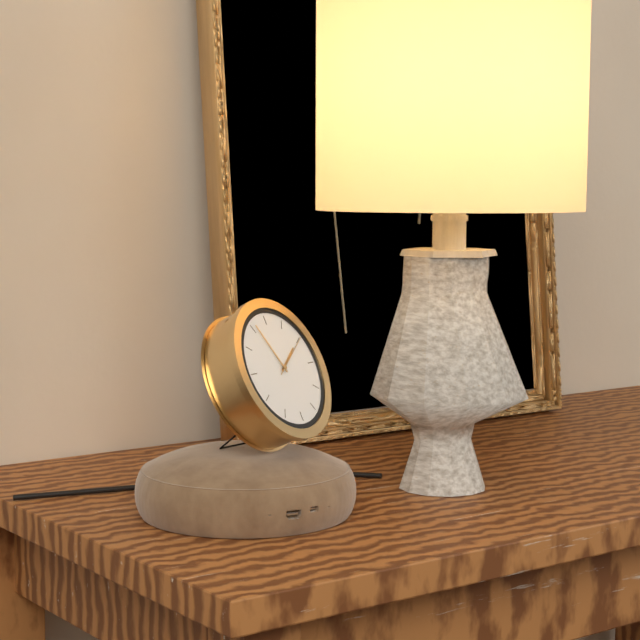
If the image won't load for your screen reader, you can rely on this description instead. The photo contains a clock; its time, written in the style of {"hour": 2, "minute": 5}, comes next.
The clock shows {"hour": 1, "minute": 56}
